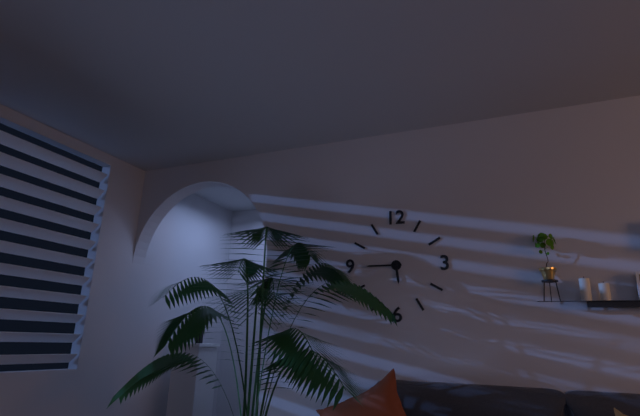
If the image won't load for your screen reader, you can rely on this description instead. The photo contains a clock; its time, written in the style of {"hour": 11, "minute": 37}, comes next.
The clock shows {"hour": 5, "minute": 45}
